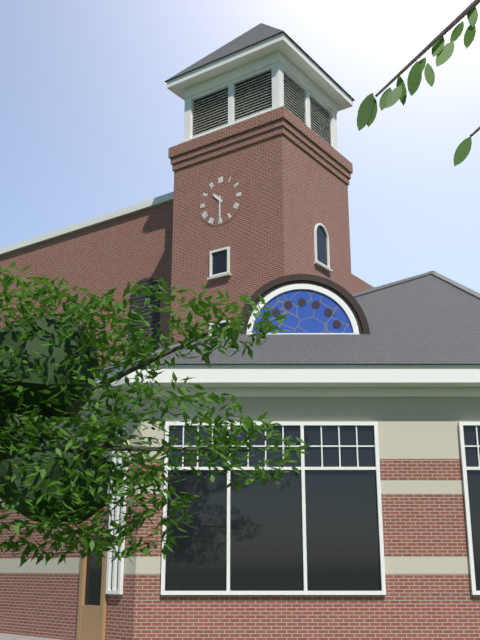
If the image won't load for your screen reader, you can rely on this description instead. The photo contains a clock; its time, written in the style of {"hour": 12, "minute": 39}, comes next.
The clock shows {"hour": 10, "minute": 30}
